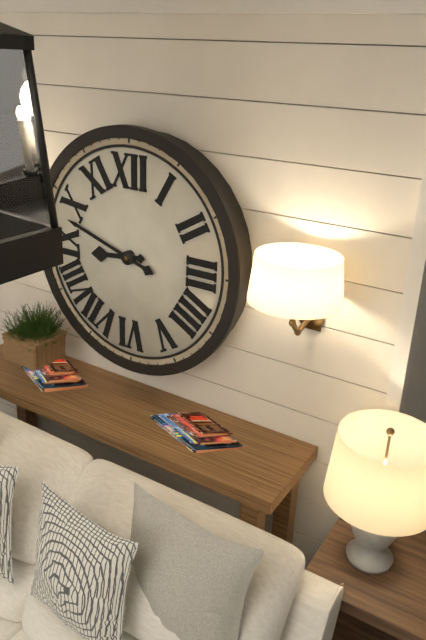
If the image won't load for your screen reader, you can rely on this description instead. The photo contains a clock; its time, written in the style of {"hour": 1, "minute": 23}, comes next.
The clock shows {"hour": 8, "minute": 48}
